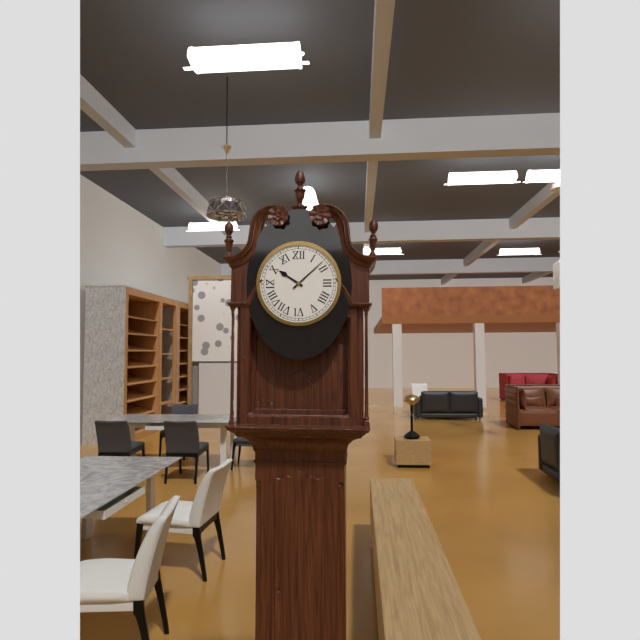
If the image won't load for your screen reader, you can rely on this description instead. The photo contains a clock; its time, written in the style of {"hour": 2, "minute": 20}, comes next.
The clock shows {"hour": 10, "minute": 8}
